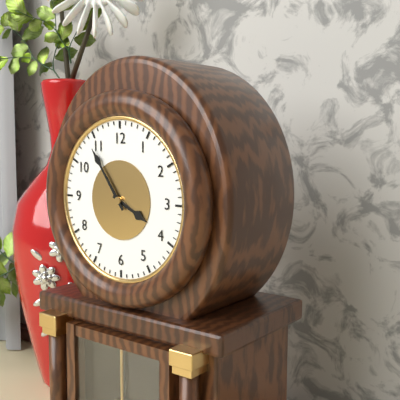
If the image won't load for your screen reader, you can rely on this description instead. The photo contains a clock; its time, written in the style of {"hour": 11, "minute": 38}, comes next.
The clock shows {"hour": 3, "minute": 54}
